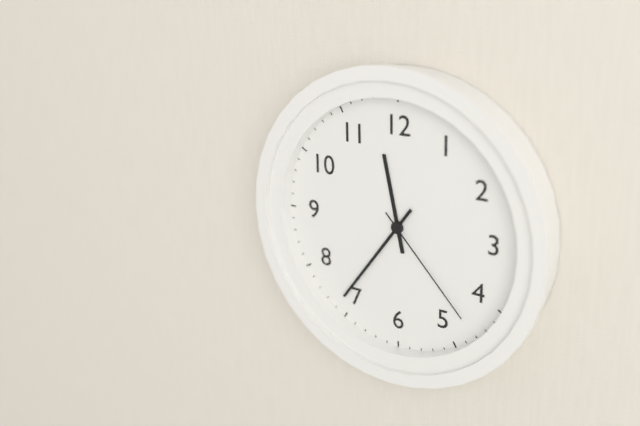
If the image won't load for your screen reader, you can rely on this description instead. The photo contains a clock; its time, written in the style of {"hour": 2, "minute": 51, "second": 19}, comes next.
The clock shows {"hour": 11, "minute": 36, "second": 23}
